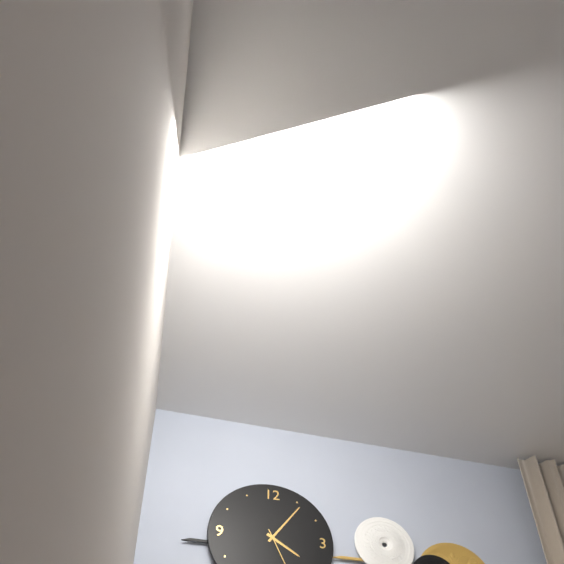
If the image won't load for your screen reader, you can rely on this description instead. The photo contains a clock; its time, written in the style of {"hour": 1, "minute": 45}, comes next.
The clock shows {"hour": 4, "minute": 6}
